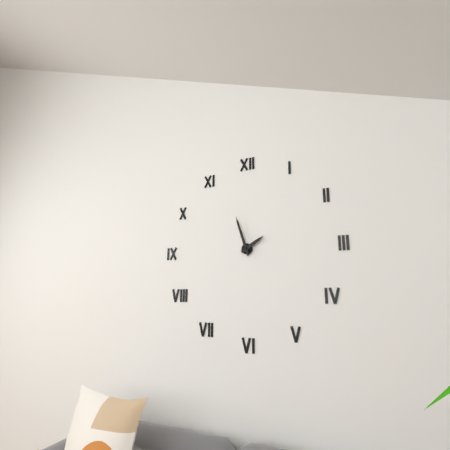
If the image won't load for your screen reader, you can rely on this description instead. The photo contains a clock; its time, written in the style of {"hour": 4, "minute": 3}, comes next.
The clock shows {"hour": 1, "minute": 57}
